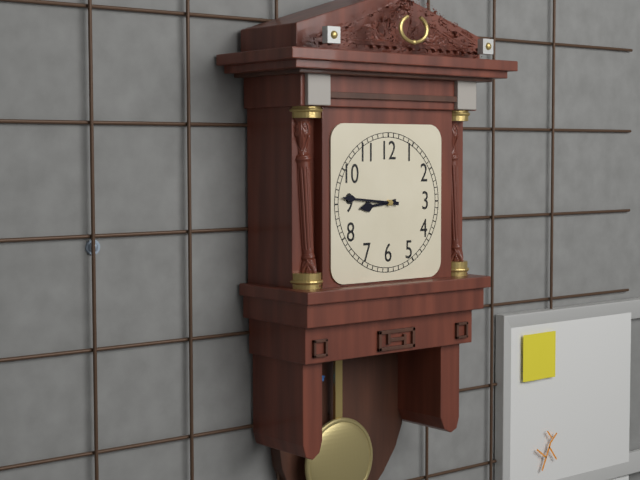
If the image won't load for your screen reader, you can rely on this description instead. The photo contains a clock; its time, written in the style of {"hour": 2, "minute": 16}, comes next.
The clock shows {"hour": 8, "minute": 46}
